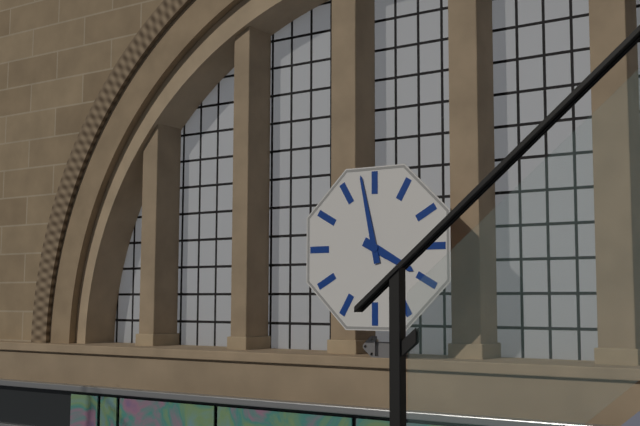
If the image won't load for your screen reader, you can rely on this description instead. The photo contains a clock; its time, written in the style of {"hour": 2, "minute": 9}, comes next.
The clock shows {"hour": 3, "minute": 58}
